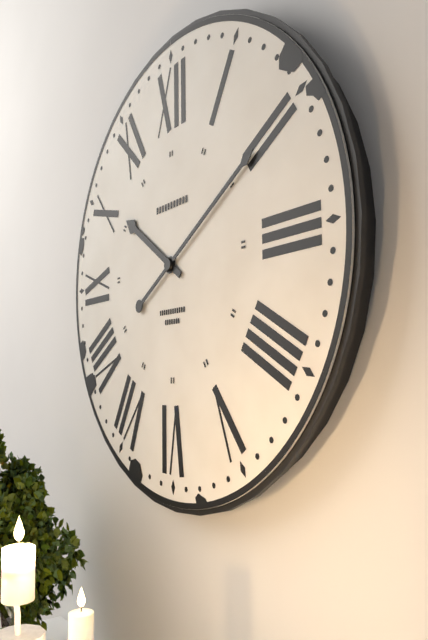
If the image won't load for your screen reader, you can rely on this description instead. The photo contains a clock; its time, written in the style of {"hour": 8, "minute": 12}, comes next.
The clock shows {"hour": 10, "minute": 10}
